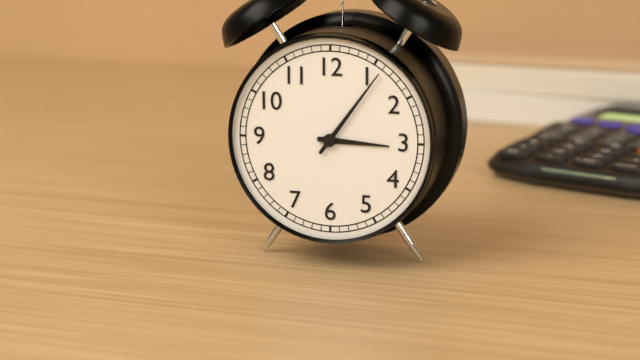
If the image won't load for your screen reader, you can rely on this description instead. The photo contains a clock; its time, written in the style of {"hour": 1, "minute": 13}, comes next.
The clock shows {"hour": 3, "minute": 6}
